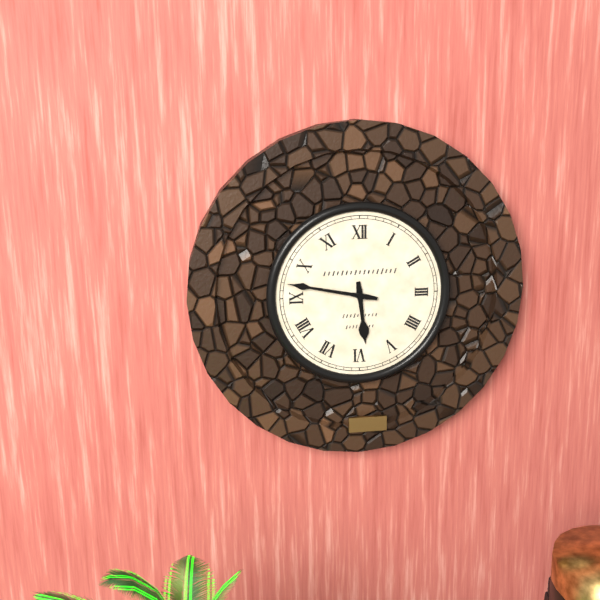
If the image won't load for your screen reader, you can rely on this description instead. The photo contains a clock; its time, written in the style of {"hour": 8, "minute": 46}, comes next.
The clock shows {"hour": 5, "minute": 47}
